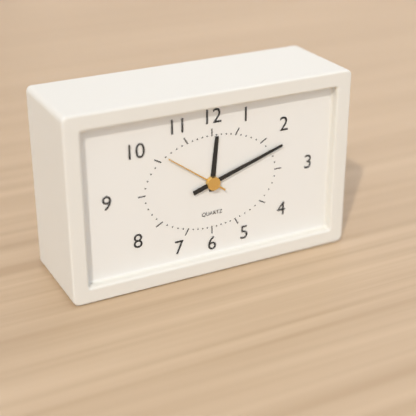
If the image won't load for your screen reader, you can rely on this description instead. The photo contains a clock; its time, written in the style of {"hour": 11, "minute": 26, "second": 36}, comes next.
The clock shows {"hour": 12, "minute": 12, "second": 51}
